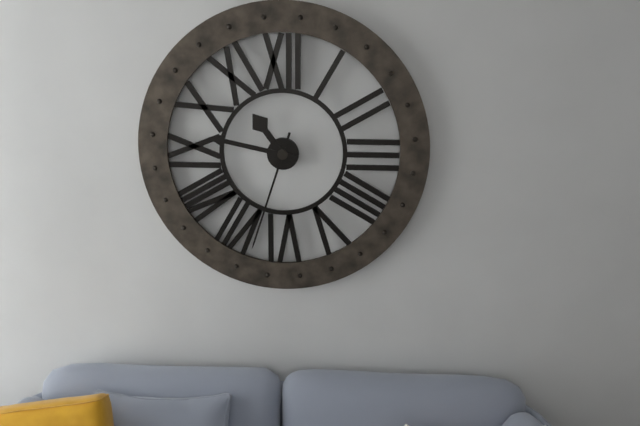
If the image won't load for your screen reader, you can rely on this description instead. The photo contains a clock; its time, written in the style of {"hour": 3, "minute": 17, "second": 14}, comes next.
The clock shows {"hour": 10, "minute": 47, "second": 33}
